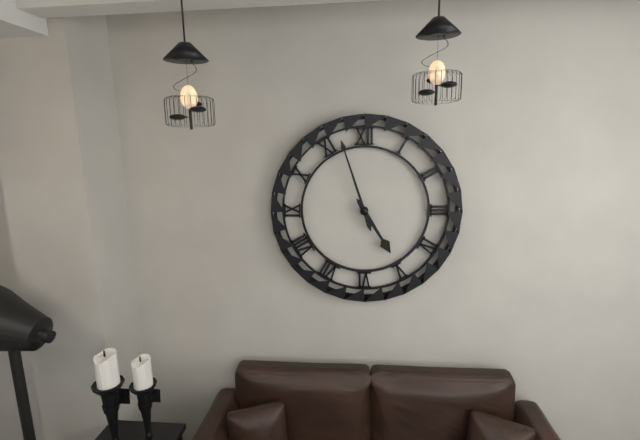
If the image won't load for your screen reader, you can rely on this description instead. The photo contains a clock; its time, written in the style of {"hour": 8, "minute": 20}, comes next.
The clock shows {"hour": 4, "minute": 57}
